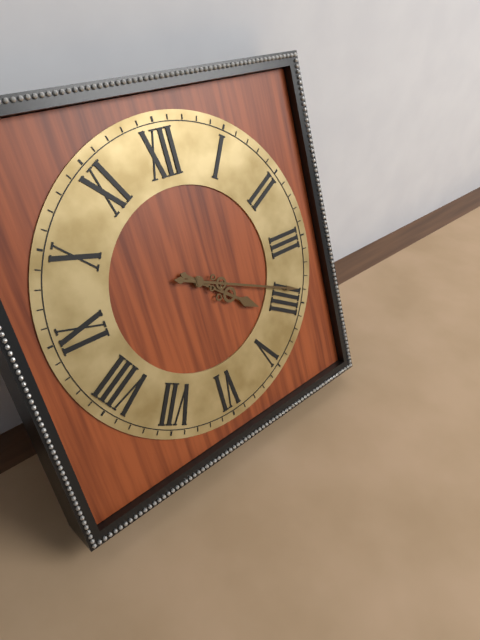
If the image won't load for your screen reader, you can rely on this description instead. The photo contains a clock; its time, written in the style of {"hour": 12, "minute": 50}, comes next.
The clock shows {"hour": 4, "minute": 19}
